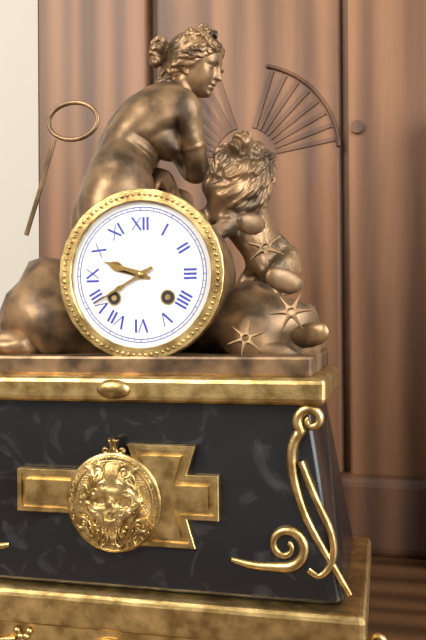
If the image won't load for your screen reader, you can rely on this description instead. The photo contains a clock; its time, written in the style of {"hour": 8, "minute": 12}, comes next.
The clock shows {"hour": 9, "minute": 40}
